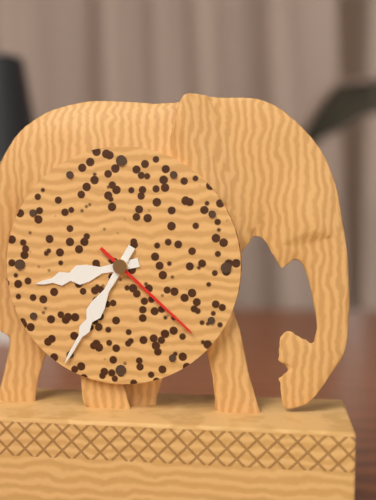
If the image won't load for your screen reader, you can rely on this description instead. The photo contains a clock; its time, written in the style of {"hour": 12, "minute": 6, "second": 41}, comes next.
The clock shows {"hour": 8, "minute": 35, "second": 22}
